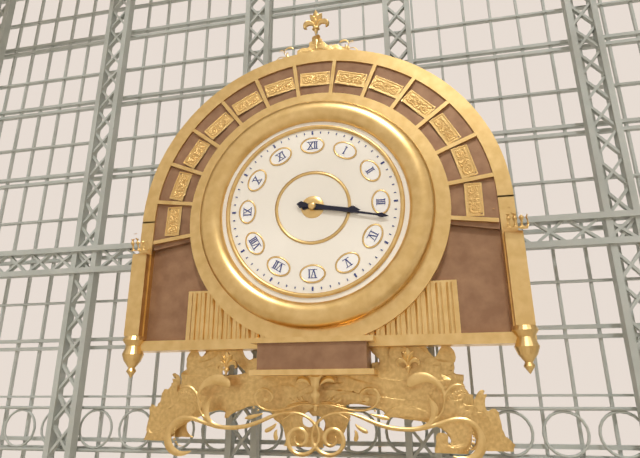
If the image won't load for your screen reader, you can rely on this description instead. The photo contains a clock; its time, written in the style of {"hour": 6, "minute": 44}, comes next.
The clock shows {"hour": 3, "minute": 17}
